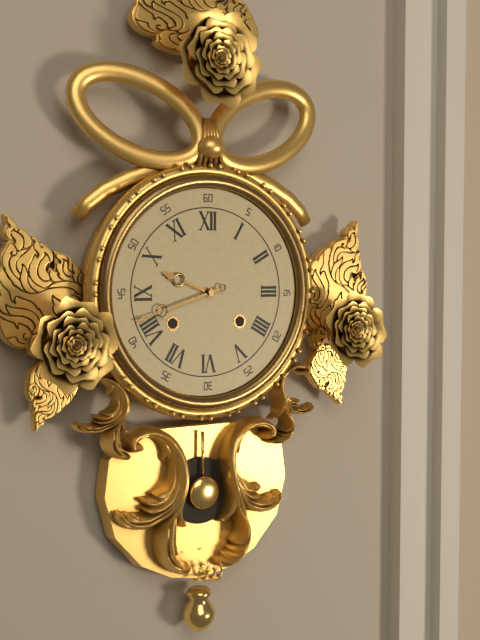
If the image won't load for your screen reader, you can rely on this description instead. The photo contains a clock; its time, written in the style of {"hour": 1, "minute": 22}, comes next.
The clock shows {"hour": 9, "minute": 42}
